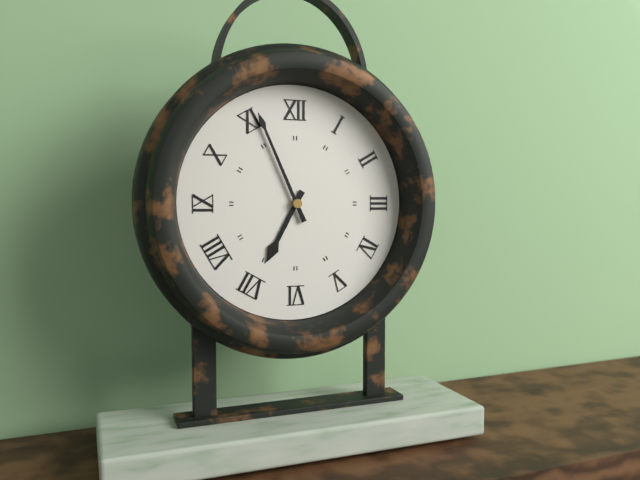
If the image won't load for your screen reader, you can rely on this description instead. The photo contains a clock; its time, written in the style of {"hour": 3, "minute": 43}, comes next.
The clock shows {"hour": 6, "minute": 56}
